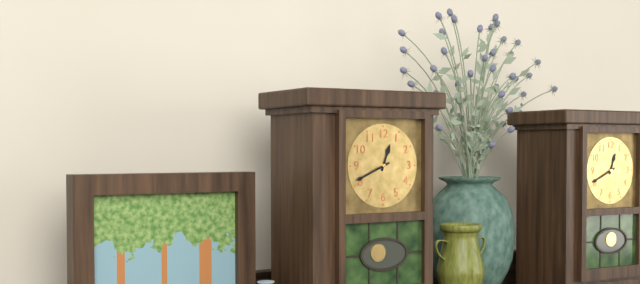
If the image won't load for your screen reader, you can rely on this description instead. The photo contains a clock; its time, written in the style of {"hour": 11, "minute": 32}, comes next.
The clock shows {"hour": 12, "minute": 41}
